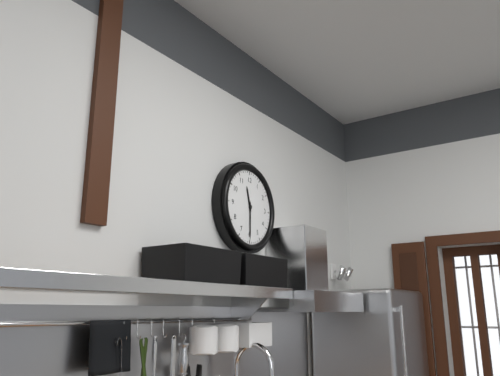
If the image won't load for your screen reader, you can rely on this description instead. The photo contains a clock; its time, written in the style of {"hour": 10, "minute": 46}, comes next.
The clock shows {"hour": 11, "minute": 30}
